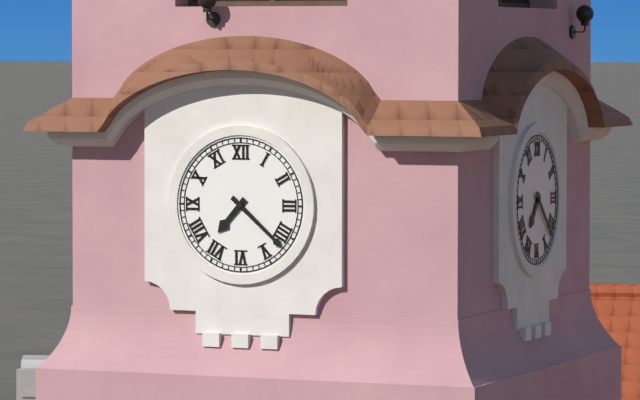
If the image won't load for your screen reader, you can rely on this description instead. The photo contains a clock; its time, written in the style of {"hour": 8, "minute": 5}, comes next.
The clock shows {"hour": 7, "minute": 22}
